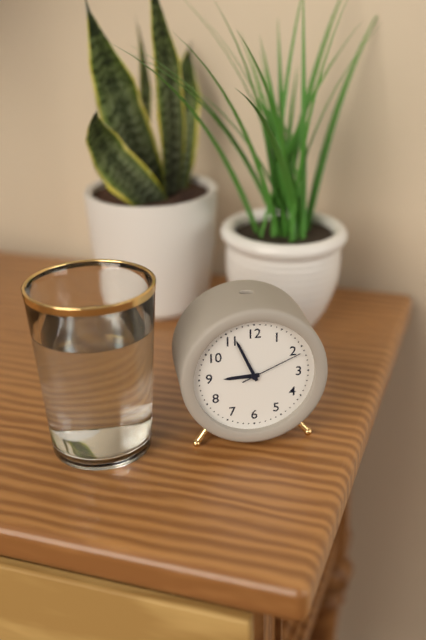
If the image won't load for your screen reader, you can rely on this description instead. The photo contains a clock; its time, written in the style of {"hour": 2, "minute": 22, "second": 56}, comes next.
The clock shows {"hour": 8, "minute": 56, "second": 11}
